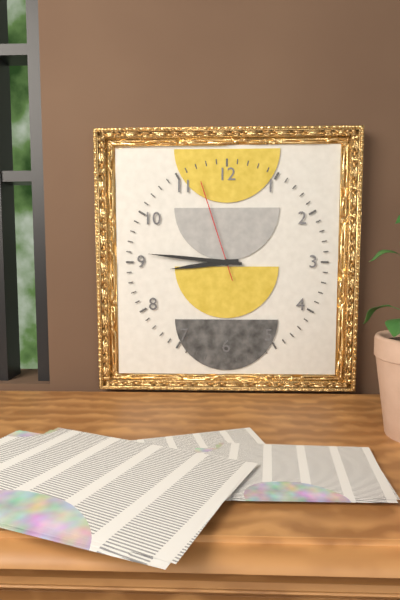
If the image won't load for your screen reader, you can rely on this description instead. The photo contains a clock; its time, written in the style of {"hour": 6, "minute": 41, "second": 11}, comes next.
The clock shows {"hour": 8, "minute": 46, "second": 57}
